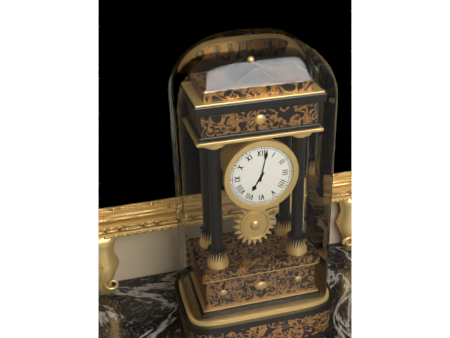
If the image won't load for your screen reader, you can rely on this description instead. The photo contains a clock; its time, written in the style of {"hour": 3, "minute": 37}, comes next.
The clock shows {"hour": 7, "minute": 2}
